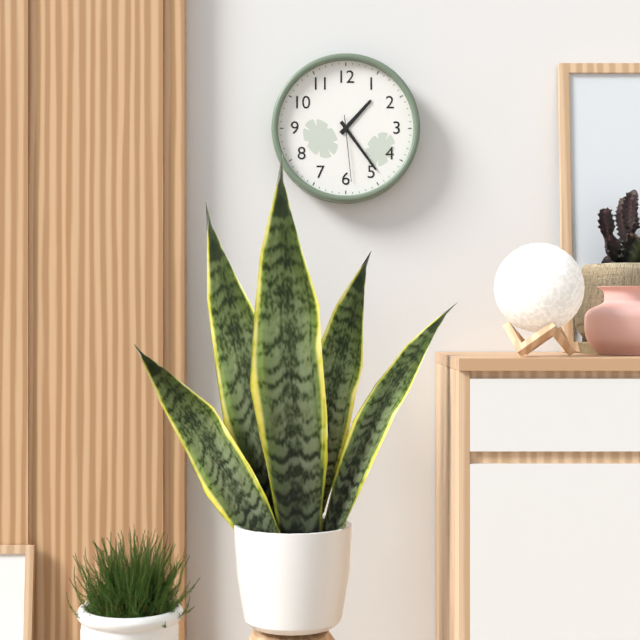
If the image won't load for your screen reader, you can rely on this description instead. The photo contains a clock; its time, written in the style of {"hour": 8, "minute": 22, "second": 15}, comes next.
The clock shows {"hour": 1, "minute": 24, "second": 29}
